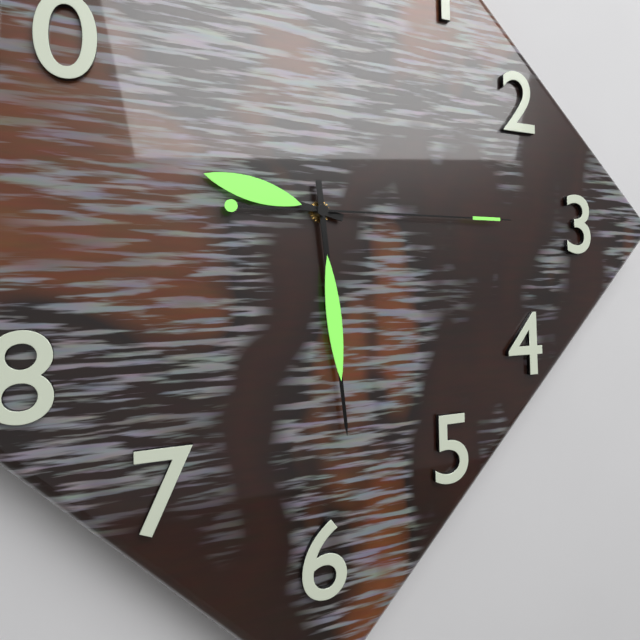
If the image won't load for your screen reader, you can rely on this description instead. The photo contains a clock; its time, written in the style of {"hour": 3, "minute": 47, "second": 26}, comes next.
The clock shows {"hour": 9, "minute": 29, "second": 15}
